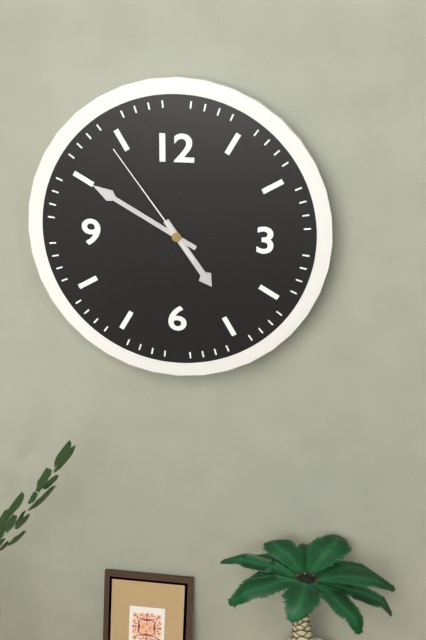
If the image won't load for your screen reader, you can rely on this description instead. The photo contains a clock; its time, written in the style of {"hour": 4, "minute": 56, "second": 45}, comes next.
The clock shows {"hour": 4, "minute": 50, "second": 54}
